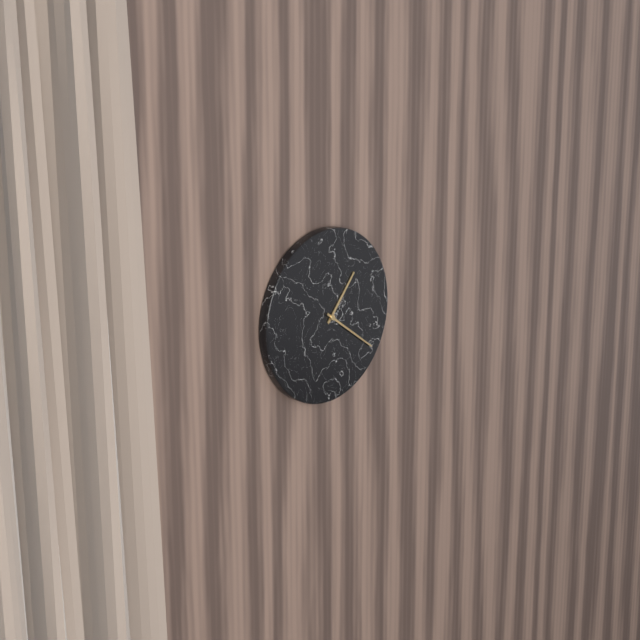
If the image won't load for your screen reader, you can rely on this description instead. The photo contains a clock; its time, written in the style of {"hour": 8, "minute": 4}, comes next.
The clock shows {"hour": 1, "minute": 21}
